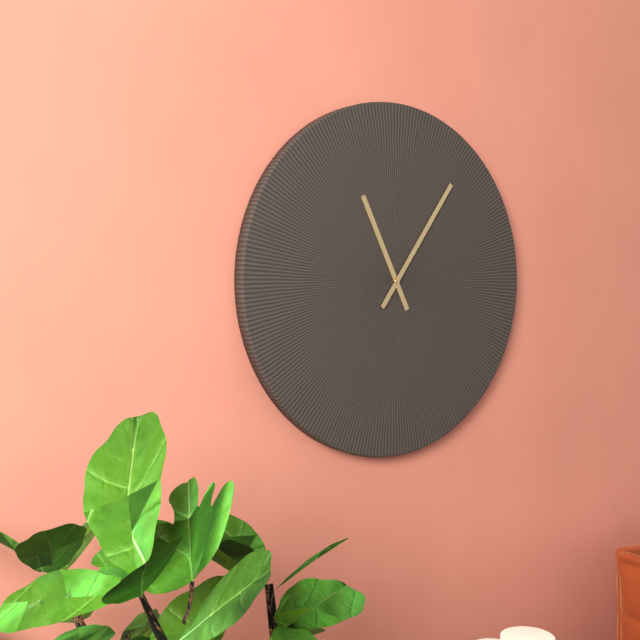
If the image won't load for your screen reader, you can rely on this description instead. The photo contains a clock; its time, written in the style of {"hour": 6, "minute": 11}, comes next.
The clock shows {"hour": 11, "minute": 6}
